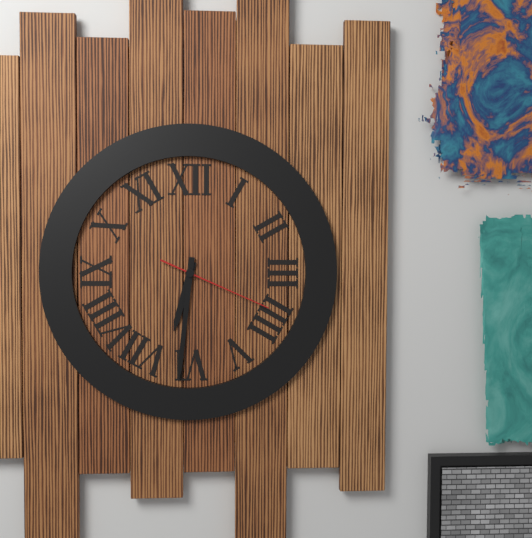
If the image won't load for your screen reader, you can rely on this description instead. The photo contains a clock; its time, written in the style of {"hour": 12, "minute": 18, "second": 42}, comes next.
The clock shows {"hour": 6, "minute": 31, "second": 19}
